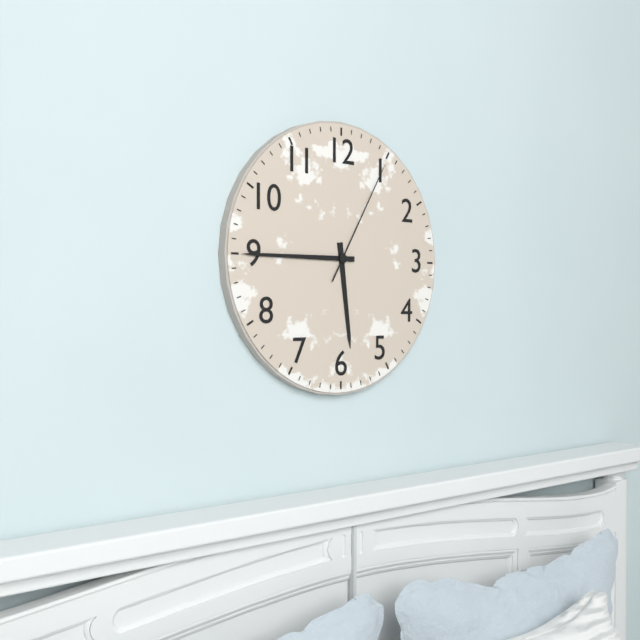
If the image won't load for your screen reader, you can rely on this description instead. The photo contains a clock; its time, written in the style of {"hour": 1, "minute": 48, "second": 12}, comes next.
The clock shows {"hour": 5, "minute": 45, "second": 5}
